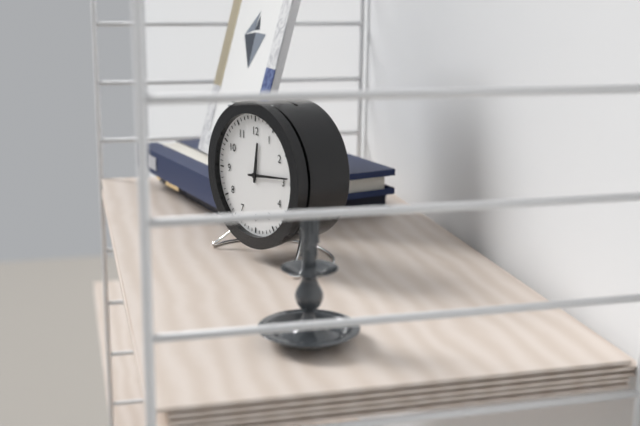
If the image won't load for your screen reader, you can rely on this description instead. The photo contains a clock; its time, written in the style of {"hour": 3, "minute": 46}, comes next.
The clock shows {"hour": 12, "minute": 14}
